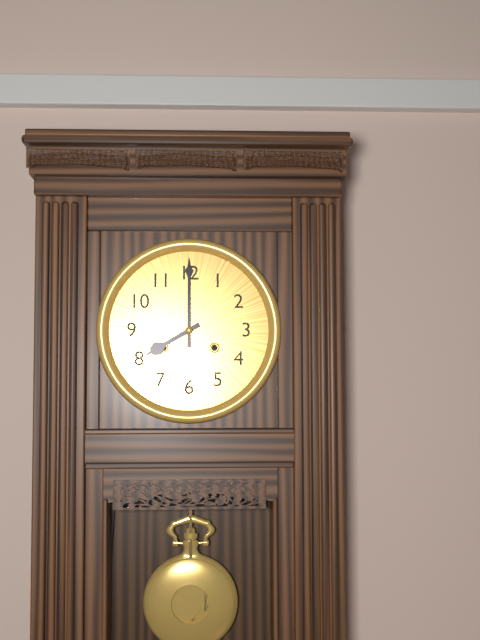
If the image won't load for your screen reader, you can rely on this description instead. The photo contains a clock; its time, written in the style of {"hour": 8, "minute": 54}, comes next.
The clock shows {"hour": 8, "minute": 0}
